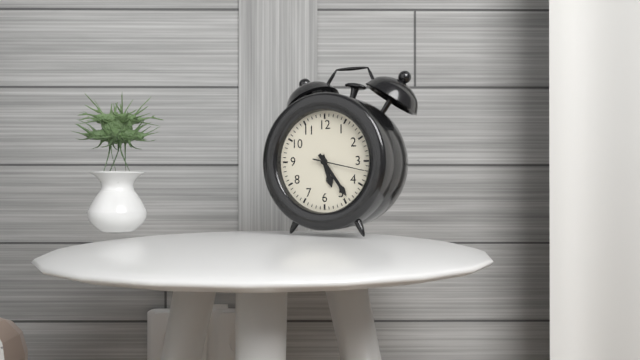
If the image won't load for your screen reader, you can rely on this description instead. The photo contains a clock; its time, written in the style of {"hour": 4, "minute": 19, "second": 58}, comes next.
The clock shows {"hour": 5, "minute": 24, "second": 17}
